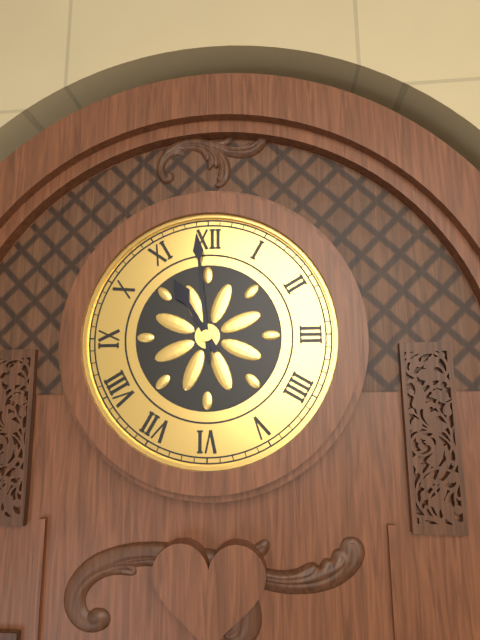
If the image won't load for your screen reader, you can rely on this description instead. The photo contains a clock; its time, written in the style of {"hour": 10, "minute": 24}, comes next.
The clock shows {"hour": 10, "minute": 59}
